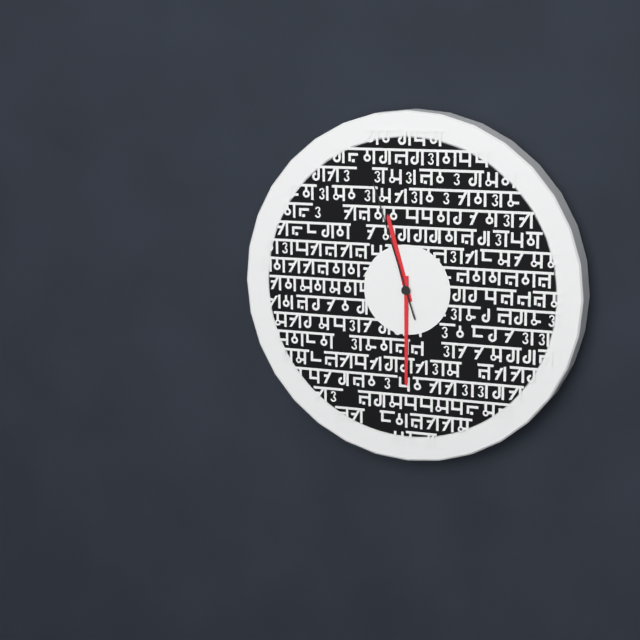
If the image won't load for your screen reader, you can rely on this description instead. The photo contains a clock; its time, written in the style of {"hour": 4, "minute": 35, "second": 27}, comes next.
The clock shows {"hour": 11, "minute": 30, "second": 57}
